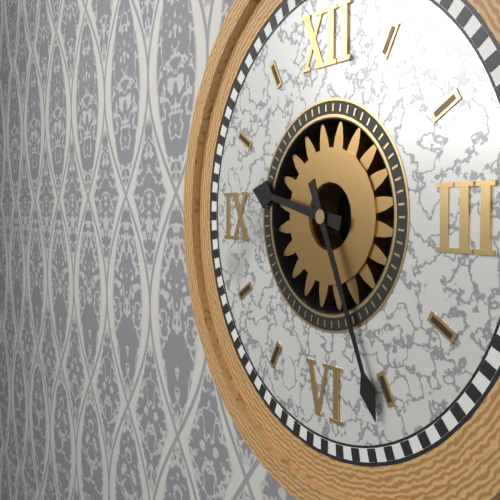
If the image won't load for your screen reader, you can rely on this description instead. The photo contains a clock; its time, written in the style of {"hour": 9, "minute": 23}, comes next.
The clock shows {"hour": 9, "minute": 26}
